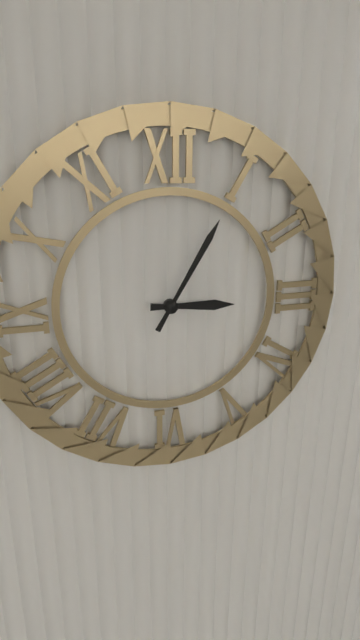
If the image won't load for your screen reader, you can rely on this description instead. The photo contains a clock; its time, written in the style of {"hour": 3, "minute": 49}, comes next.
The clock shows {"hour": 3, "minute": 5}
